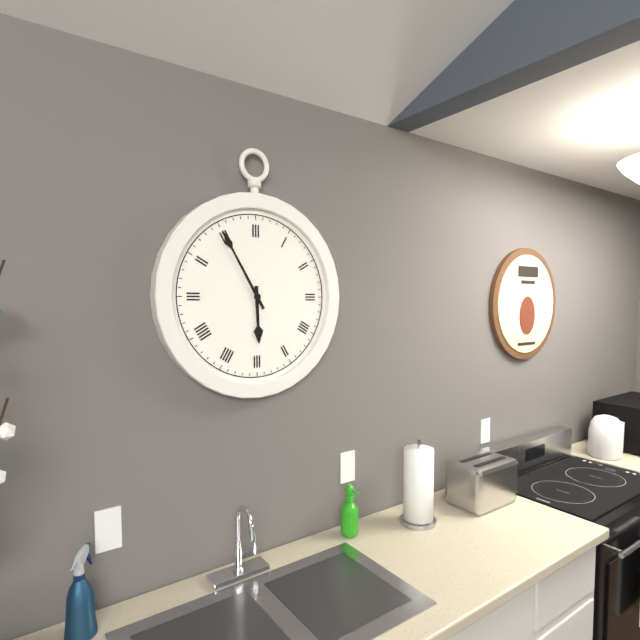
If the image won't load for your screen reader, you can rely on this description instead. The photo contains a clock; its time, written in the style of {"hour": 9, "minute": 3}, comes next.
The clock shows {"hour": 5, "minute": 55}
